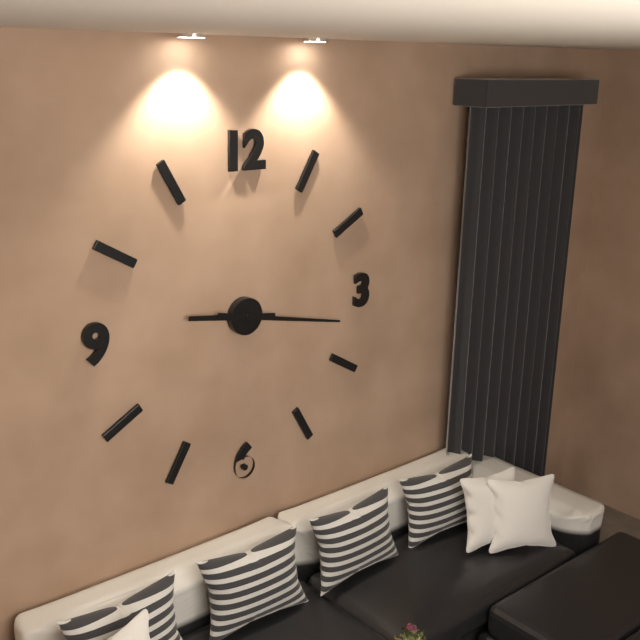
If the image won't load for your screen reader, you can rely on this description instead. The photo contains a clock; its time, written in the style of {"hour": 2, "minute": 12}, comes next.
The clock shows {"hour": 9, "minute": 17}
